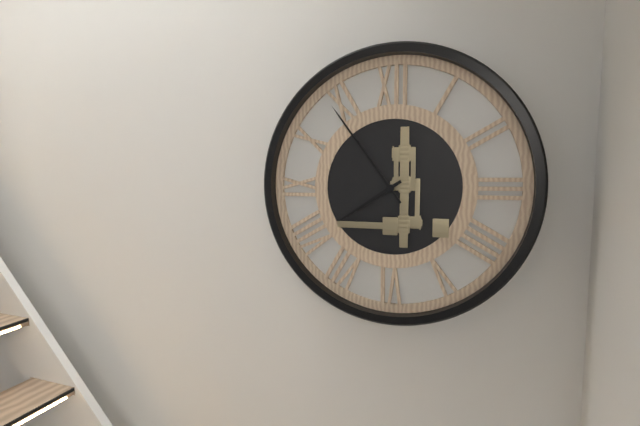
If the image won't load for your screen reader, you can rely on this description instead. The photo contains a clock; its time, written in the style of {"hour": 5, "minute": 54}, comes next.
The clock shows {"hour": 7, "minute": 54}
